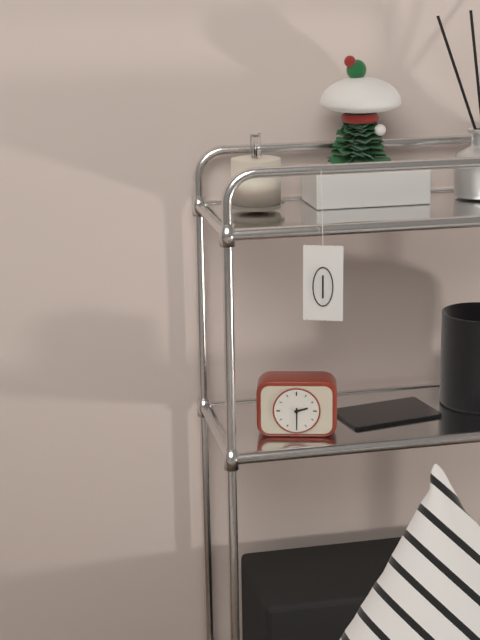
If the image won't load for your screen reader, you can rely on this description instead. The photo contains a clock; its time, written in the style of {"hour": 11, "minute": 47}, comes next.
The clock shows {"hour": 2, "minute": 30}
